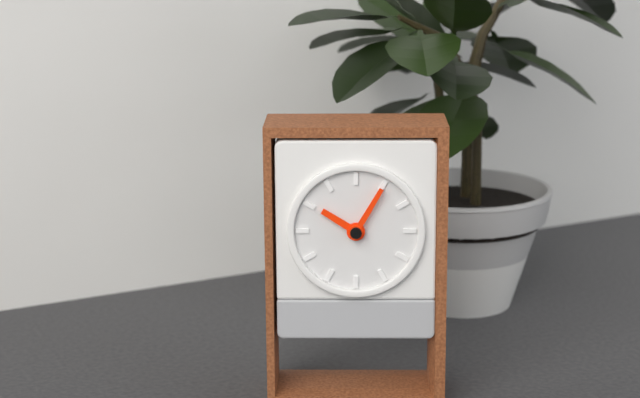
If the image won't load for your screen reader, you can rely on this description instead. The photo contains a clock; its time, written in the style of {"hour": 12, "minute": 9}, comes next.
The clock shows {"hour": 10, "minute": 5}
